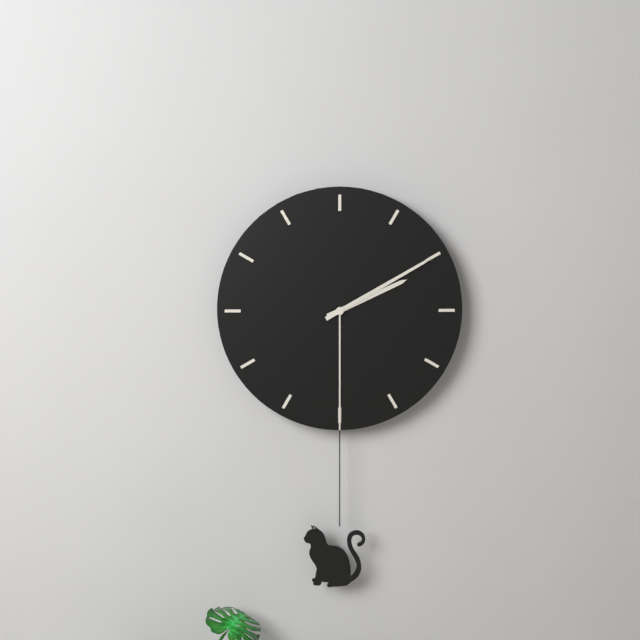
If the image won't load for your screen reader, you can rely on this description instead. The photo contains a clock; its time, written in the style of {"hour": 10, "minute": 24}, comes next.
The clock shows {"hour": 2, "minute": 10}
